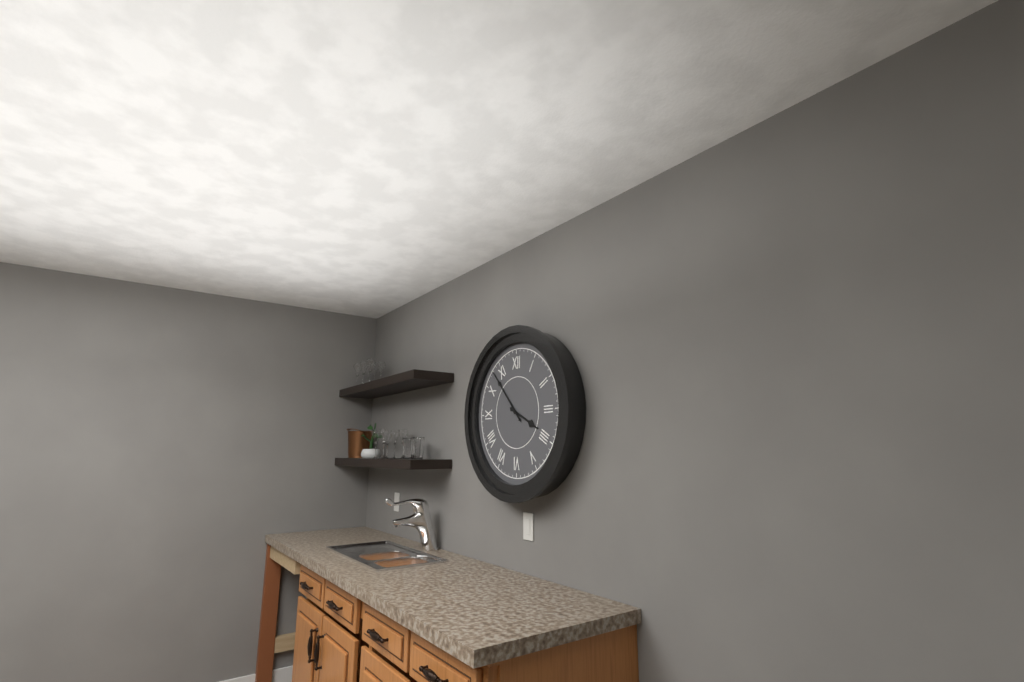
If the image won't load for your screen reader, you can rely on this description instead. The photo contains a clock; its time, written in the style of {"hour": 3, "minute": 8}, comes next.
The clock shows {"hour": 3, "minute": 53}
